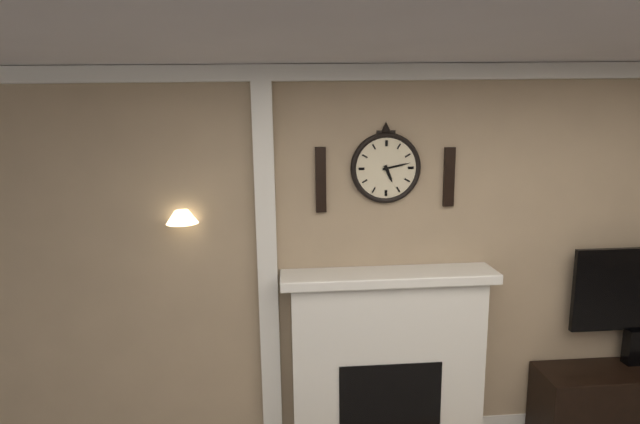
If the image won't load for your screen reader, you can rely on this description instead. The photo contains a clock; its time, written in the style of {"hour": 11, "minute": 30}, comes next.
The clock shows {"hour": 5, "minute": 13}
